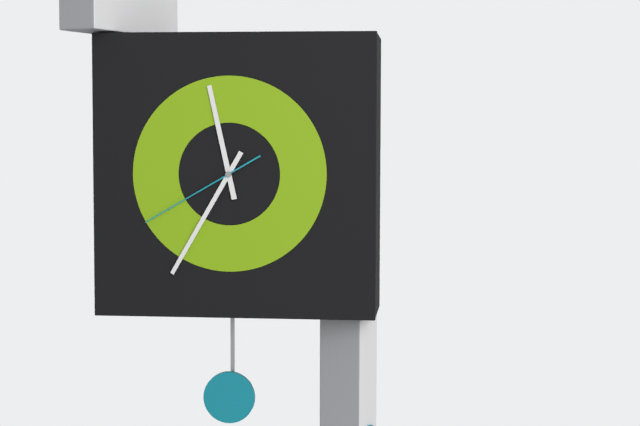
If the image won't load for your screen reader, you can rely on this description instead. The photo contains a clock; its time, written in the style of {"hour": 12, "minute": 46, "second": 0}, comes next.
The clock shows {"hour": 11, "minute": 35, "second": 40}
